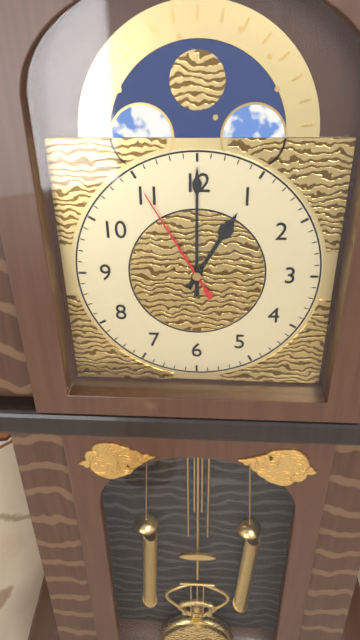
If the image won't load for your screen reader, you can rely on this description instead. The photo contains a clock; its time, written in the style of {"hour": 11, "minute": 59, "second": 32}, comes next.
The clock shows {"hour": 1, "minute": 0, "second": 55}
